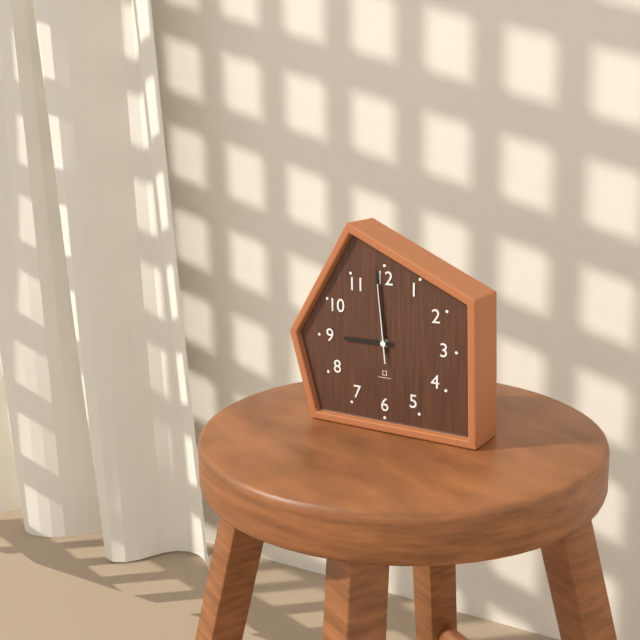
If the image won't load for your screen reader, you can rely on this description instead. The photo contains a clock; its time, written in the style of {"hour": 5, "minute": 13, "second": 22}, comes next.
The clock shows {"hour": 8, "minute": 59, "second": 59}
